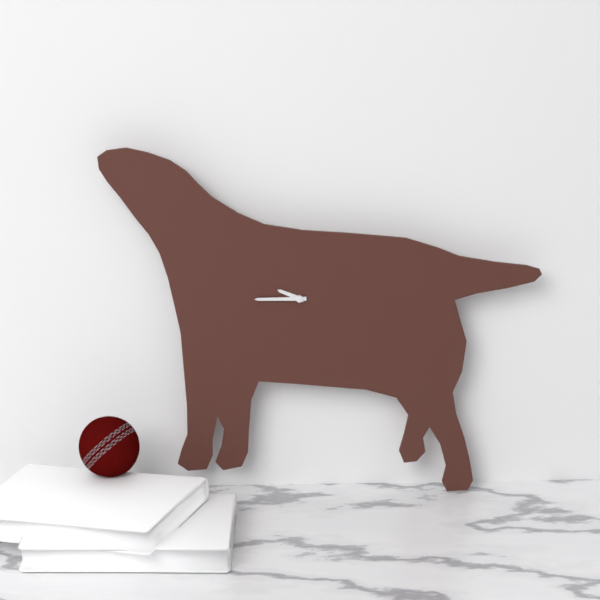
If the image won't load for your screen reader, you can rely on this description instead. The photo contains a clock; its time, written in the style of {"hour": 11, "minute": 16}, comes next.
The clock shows {"hour": 9, "minute": 45}
